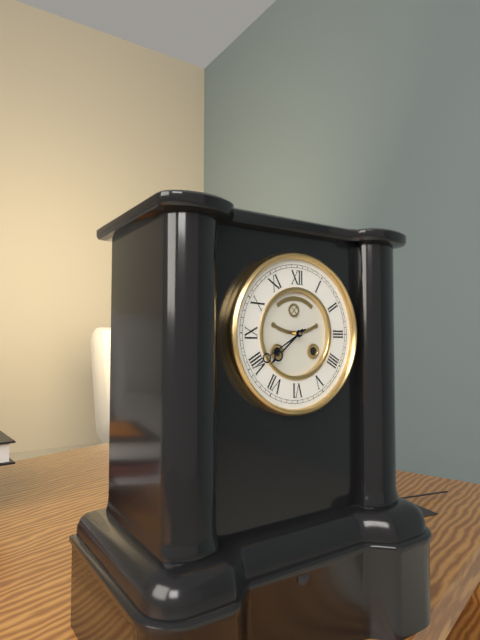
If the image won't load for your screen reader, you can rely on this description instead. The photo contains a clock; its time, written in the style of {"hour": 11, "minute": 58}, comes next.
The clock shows {"hour": 7, "minute": 40}
